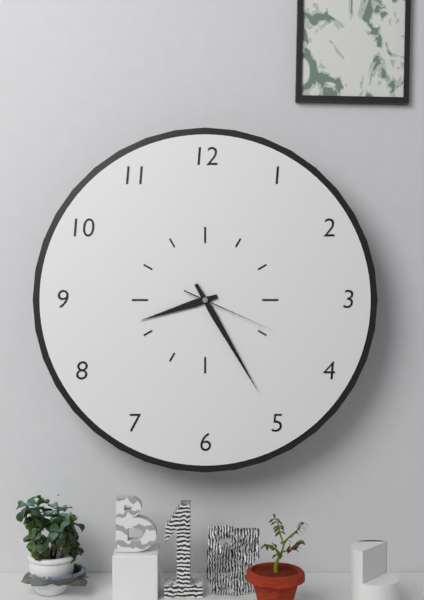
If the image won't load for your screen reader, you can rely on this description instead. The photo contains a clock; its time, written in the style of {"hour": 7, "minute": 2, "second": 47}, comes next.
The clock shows {"hour": 8, "minute": 25, "second": 19}
